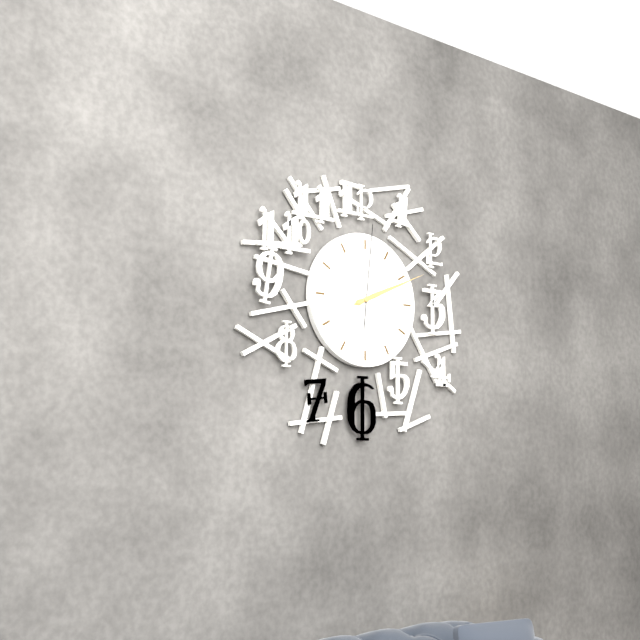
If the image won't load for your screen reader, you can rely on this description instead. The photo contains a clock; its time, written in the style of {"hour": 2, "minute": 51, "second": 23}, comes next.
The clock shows {"hour": 2, "minute": 11, "second": 1}
